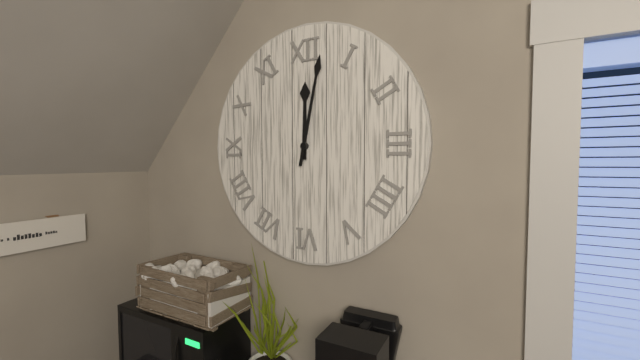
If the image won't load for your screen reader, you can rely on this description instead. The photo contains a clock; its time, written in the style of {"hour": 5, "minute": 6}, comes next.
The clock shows {"hour": 12, "minute": 2}
